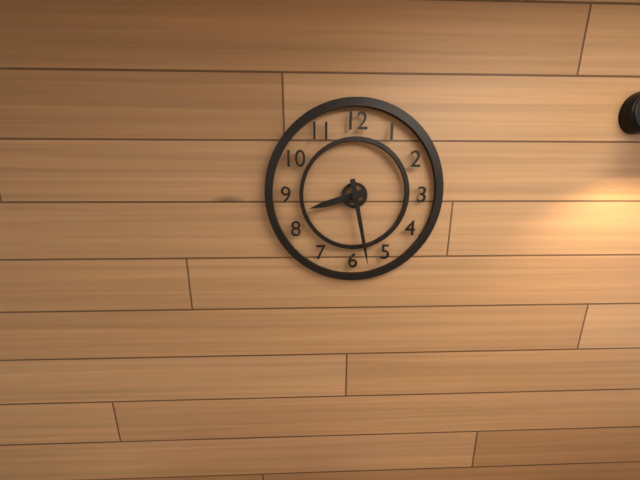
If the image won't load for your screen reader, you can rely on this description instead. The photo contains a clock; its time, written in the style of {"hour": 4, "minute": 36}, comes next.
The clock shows {"hour": 8, "minute": 28}
